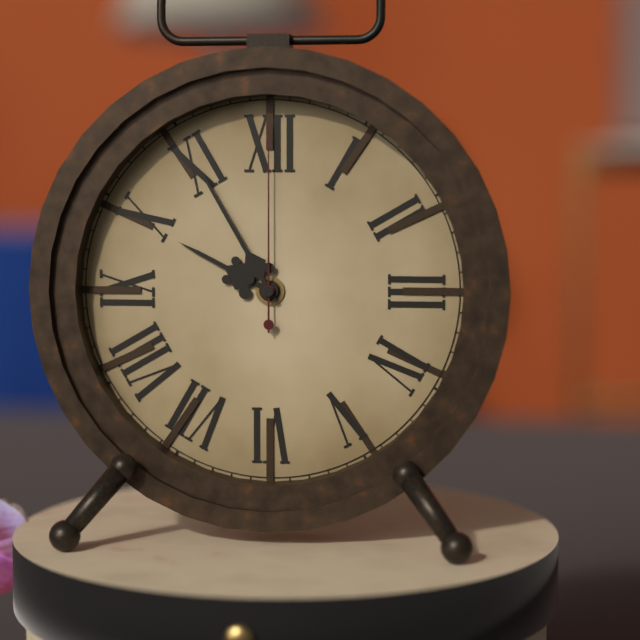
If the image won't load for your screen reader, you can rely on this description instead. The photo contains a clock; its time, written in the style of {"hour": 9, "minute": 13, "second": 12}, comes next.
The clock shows {"hour": 9, "minute": 55, "second": 0}
